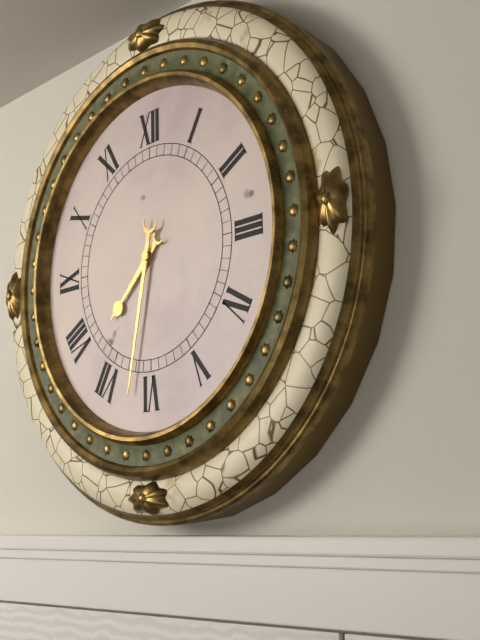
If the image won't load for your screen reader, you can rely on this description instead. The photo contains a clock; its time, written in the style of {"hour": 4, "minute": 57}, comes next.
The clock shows {"hour": 7, "minute": 32}
